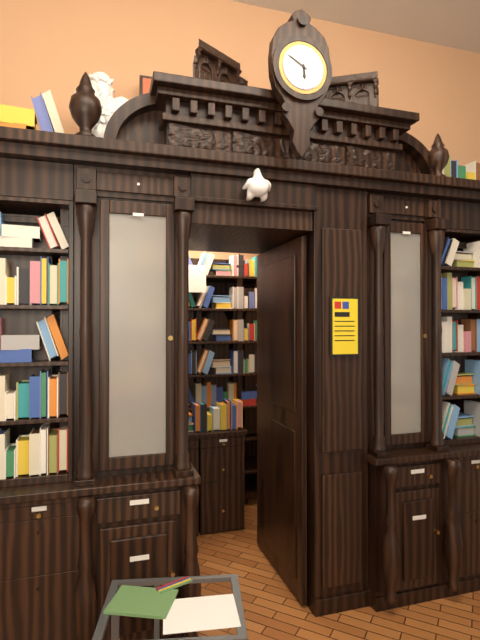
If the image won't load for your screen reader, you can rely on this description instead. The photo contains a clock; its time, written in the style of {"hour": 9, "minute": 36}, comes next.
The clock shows {"hour": 5, "minute": 50}
